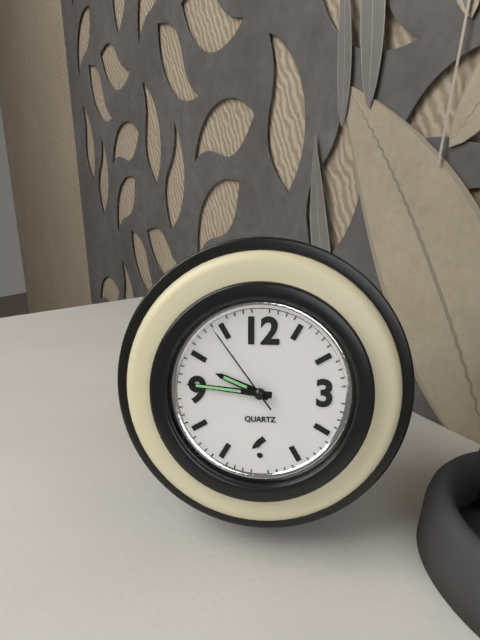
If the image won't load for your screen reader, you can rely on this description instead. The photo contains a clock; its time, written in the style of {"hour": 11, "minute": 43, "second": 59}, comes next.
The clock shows {"hour": 9, "minute": 46, "second": 54}
